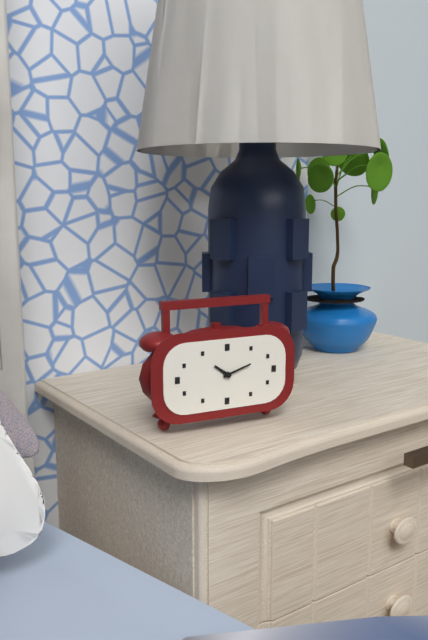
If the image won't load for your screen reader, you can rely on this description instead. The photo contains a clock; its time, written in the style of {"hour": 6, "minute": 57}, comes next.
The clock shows {"hour": 10, "minute": 12}
